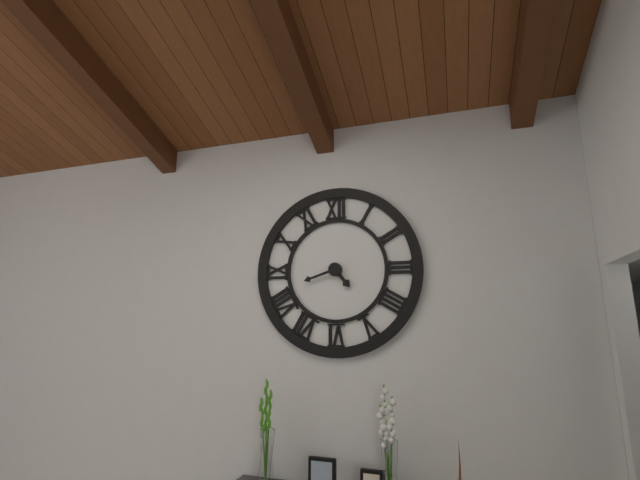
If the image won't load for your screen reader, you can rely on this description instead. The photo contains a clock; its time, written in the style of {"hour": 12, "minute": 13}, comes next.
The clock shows {"hour": 4, "minute": 42}
